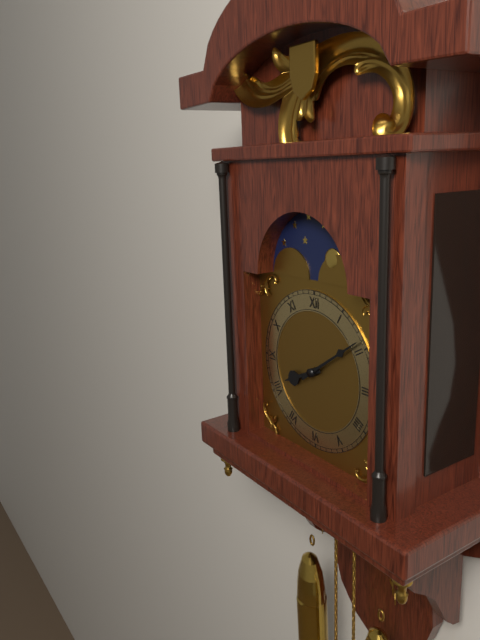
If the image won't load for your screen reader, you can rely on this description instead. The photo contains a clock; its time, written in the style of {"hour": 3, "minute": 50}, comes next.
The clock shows {"hour": 8, "minute": 9}
